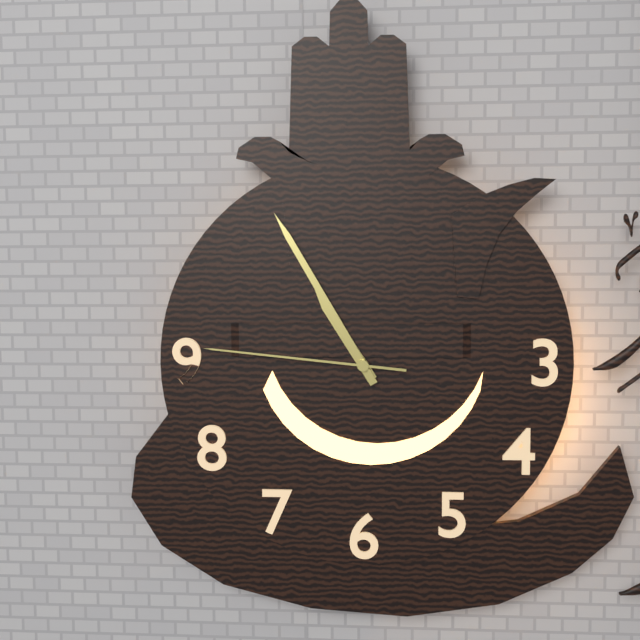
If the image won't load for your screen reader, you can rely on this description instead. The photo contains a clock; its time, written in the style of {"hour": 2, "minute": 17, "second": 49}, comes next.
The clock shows {"hour": 10, "minute": 55, "second": 46}
